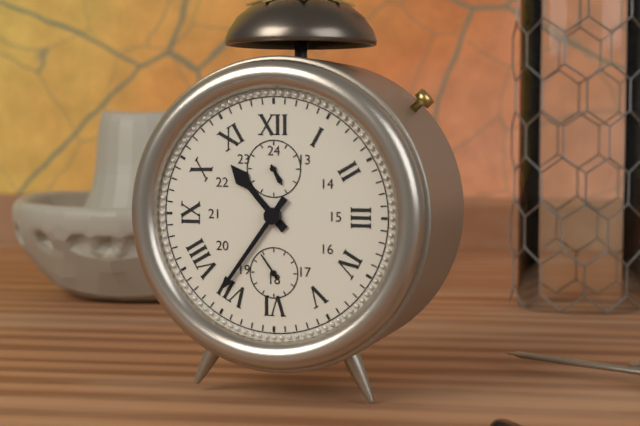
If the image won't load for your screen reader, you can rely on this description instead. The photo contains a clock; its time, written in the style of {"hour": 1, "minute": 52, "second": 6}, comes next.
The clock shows {"hour": 10, "minute": 36, "second": 54}
